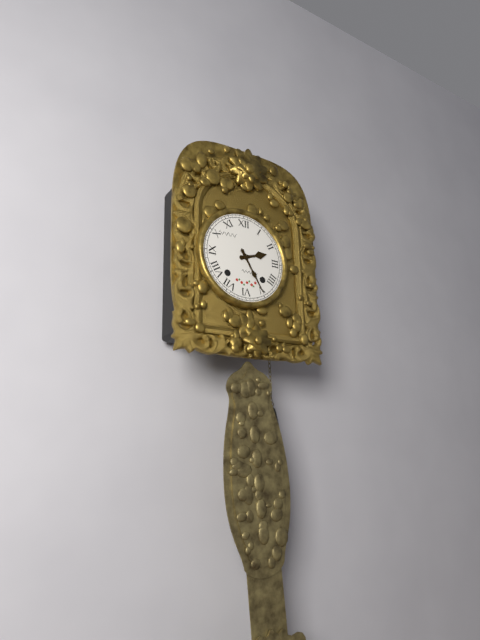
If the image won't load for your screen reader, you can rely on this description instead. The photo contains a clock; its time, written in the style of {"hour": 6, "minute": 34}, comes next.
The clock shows {"hour": 2, "minute": 25}
